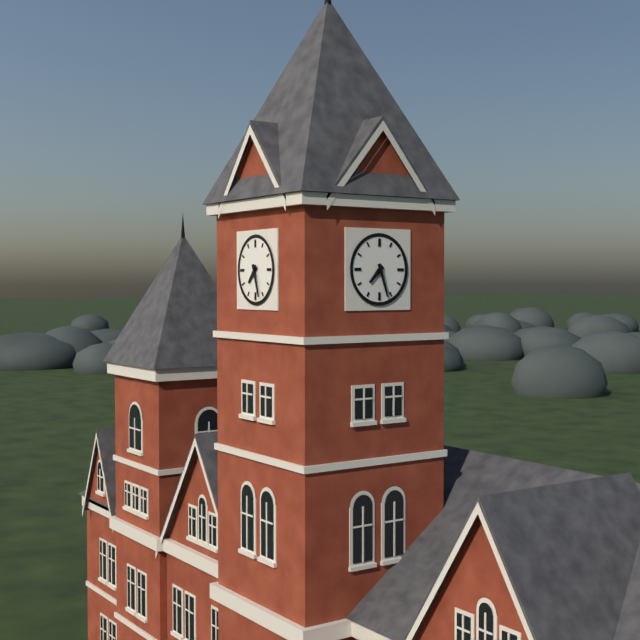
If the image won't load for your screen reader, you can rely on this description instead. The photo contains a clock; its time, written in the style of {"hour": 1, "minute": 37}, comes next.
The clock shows {"hour": 7, "minute": 27}
